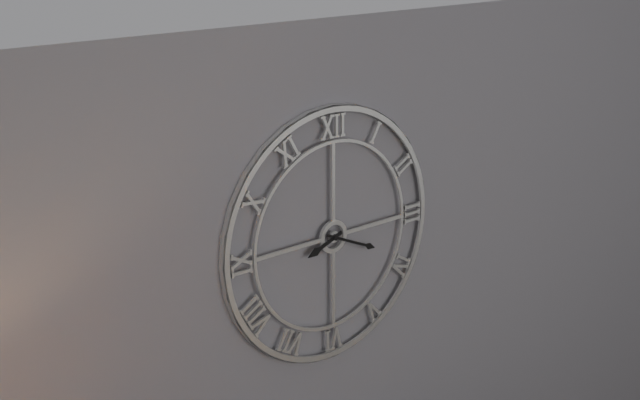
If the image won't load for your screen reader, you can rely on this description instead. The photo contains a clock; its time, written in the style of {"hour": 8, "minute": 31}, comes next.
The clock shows {"hour": 8, "minute": 19}
